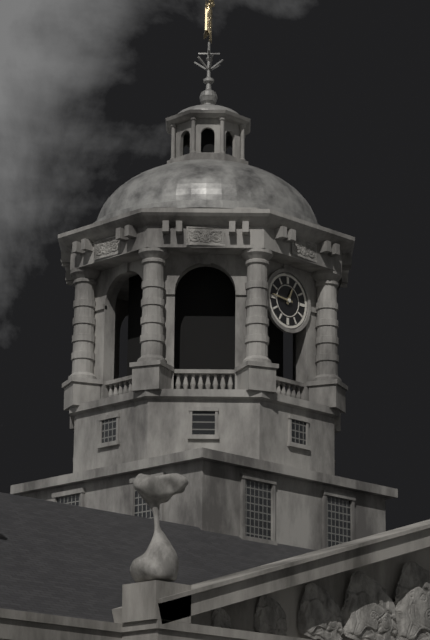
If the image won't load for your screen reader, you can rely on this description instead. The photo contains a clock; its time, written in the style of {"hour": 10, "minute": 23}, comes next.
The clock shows {"hour": 12, "minute": 46}
